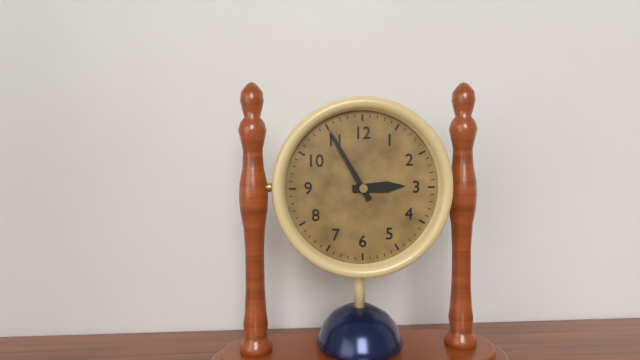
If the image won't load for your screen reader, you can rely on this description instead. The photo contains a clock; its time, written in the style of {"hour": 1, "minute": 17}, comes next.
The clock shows {"hour": 2, "minute": 55}
